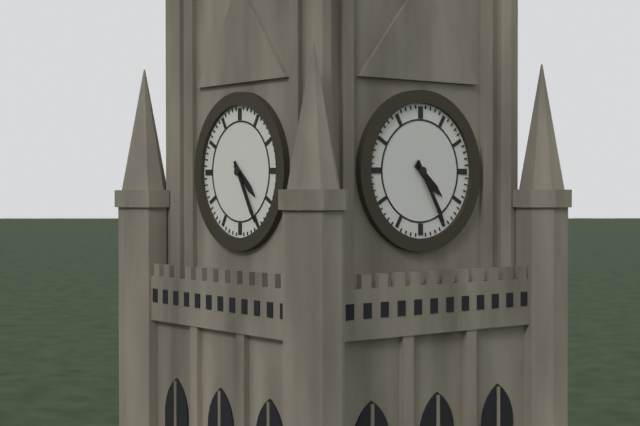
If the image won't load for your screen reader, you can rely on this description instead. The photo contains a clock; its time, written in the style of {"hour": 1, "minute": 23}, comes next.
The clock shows {"hour": 4, "minute": 25}
